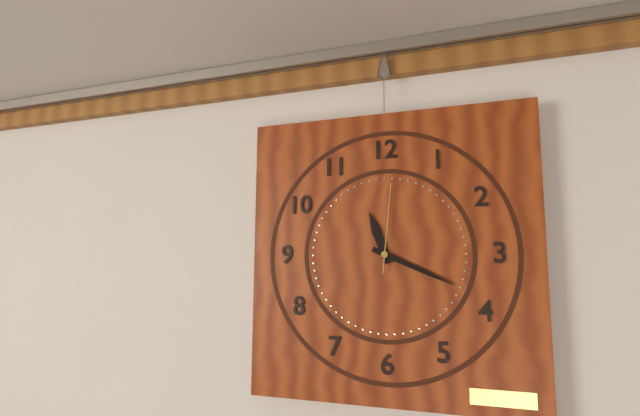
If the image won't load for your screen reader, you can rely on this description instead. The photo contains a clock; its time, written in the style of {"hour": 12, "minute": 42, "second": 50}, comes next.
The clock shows {"hour": 11, "minute": 19, "second": 1}
